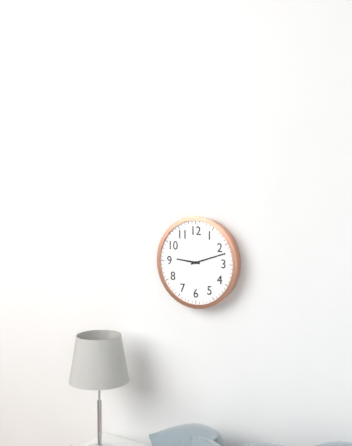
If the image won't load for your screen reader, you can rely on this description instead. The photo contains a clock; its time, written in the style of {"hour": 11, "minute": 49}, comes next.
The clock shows {"hour": 9, "minute": 12}
